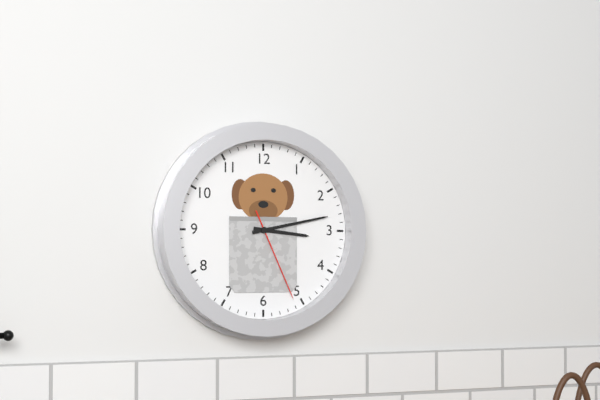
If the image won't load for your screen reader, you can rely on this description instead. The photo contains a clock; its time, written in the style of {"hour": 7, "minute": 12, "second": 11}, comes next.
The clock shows {"hour": 3, "minute": 13, "second": 26}
